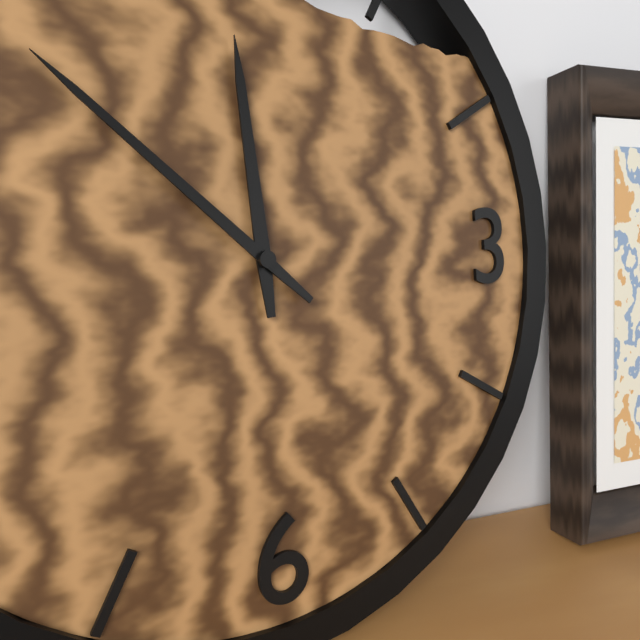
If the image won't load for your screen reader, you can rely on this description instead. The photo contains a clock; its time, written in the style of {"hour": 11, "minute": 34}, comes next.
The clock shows {"hour": 11, "minute": 52}
